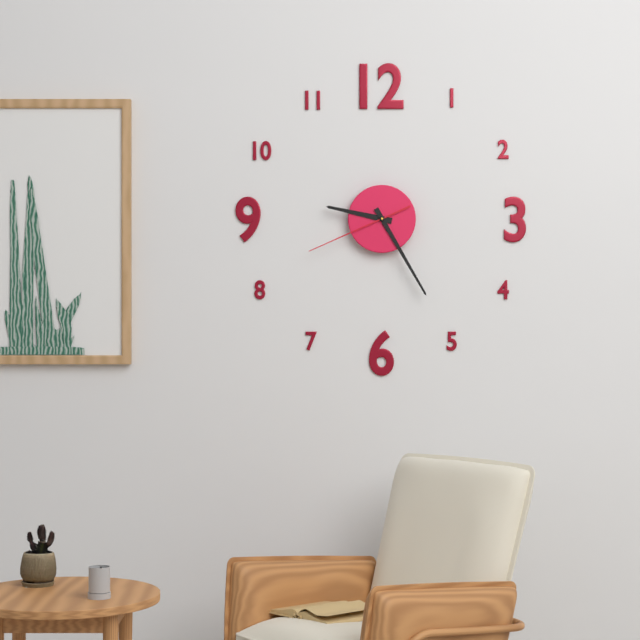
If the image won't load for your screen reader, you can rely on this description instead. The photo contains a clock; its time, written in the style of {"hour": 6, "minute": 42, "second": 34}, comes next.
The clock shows {"hour": 9, "minute": 25, "second": 41}
